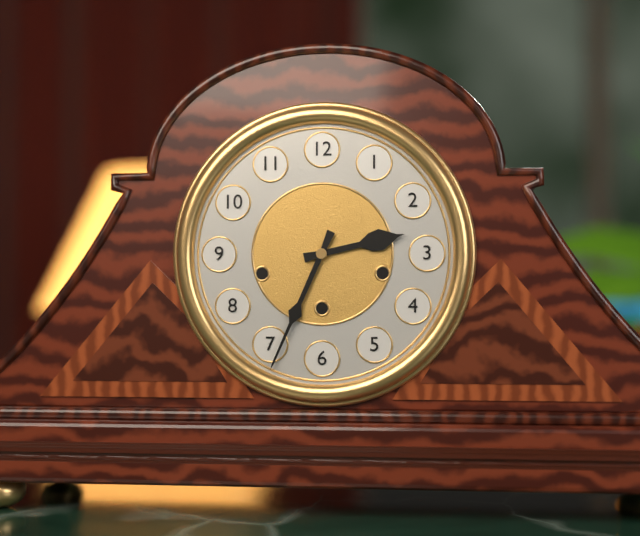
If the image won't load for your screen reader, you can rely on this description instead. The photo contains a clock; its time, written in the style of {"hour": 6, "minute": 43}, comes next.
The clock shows {"hour": 2, "minute": 34}
